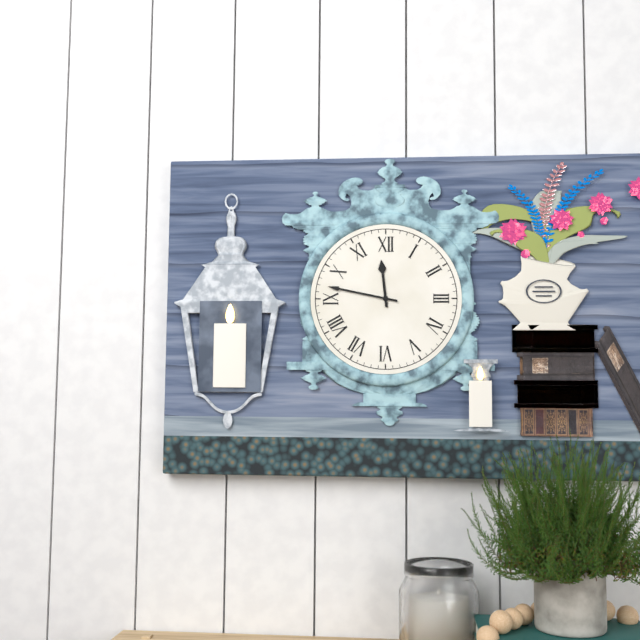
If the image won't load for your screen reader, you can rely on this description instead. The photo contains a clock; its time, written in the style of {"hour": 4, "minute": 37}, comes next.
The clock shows {"hour": 11, "minute": 47}
